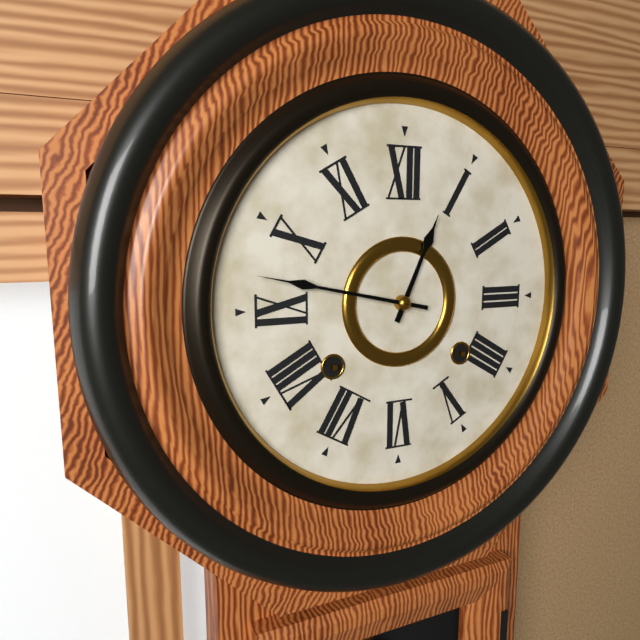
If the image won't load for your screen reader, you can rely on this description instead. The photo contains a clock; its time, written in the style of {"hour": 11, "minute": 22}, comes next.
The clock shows {"hour": 12, "minute": 47}
